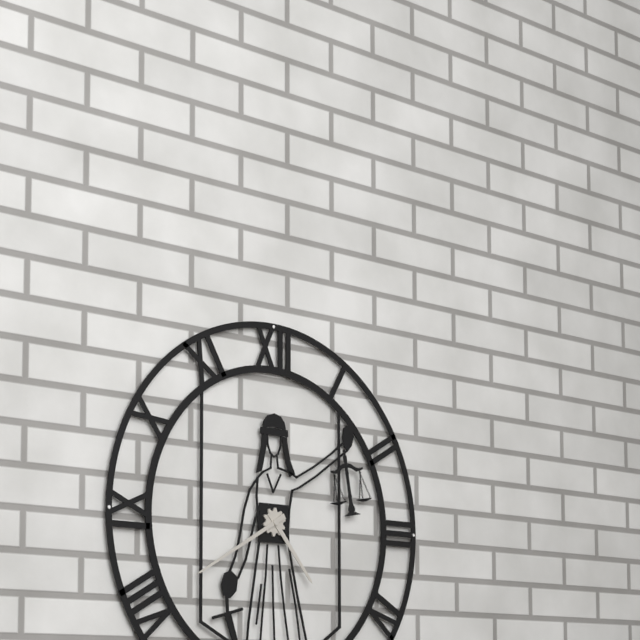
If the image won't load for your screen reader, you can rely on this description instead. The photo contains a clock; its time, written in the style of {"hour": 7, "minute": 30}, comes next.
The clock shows {"hour": 4, "minute": 40}
